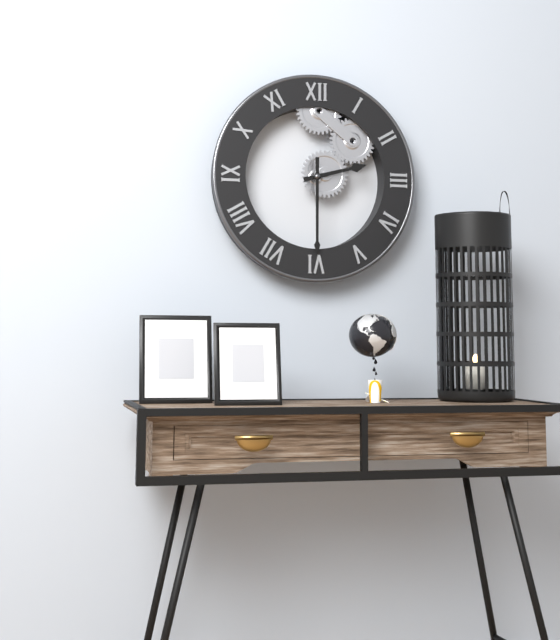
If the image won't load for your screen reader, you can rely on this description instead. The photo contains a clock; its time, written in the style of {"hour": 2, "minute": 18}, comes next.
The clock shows {"hour": 2, "minute": 30}
